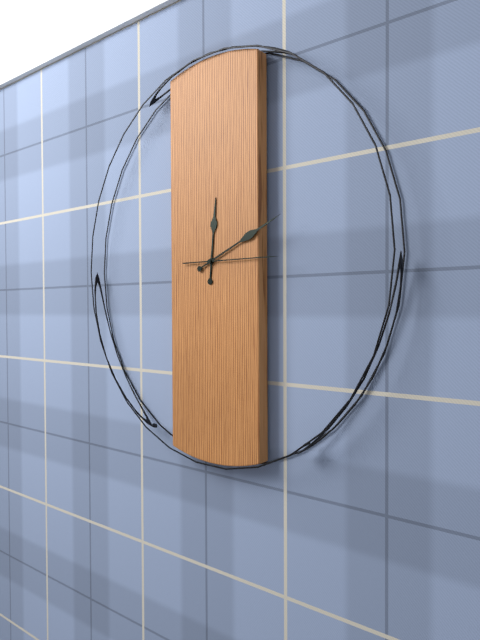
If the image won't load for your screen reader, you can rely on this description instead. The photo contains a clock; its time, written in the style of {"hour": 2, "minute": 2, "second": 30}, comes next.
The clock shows {"hour": 12, "minute": 11, "second": 15}
